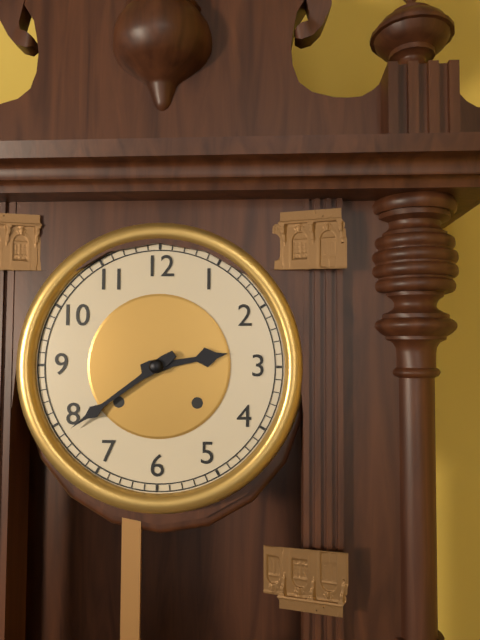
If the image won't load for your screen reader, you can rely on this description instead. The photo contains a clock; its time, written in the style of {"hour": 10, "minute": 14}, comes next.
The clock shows {"hour": 2, "minute": 39}
